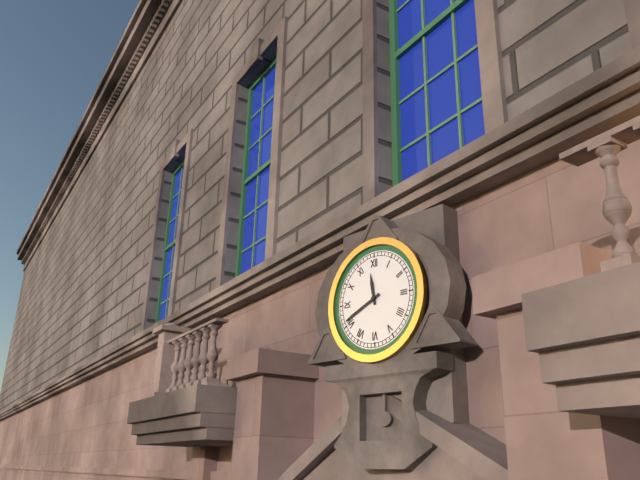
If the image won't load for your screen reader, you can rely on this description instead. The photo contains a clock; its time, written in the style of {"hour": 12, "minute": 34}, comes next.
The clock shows {"hour": 11, "minute": 41}
